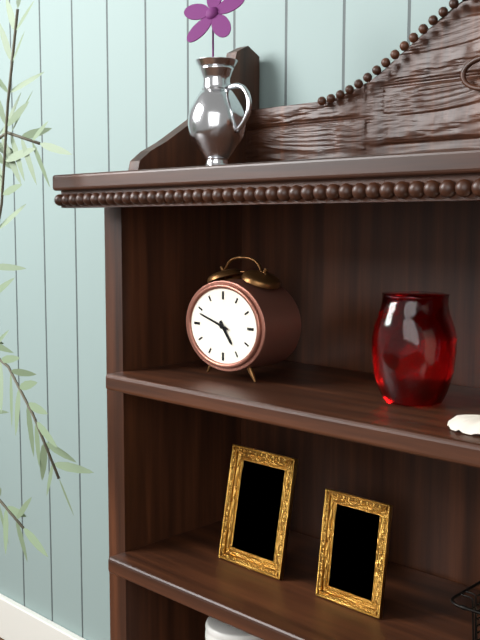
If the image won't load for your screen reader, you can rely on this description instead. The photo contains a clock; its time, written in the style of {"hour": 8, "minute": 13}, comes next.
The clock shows {"hour": 4, "minute": 48}
